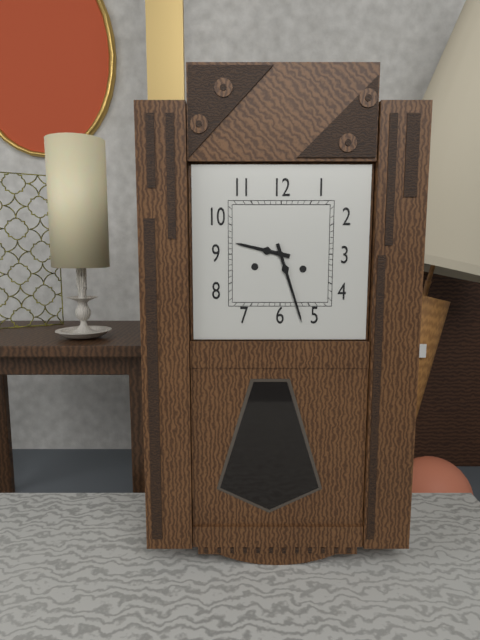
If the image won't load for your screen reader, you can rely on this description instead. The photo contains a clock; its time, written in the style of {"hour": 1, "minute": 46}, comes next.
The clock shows {"hour": 9, "minute": 27}
